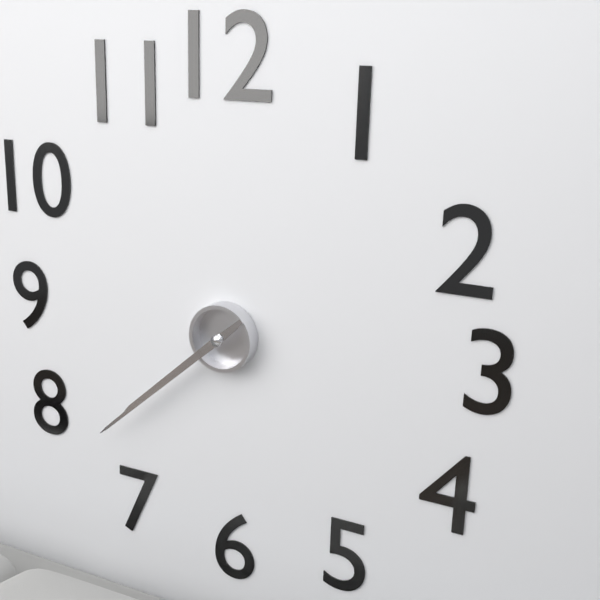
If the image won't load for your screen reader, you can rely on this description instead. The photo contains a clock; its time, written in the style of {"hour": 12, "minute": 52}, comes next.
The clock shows {"hour": 7, "minute": 38}
